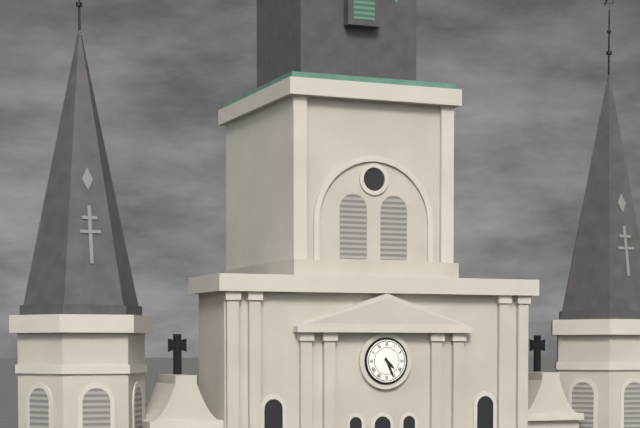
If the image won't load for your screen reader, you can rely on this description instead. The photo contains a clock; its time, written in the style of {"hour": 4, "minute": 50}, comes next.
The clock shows {"hour": 4, "minute": 26}
